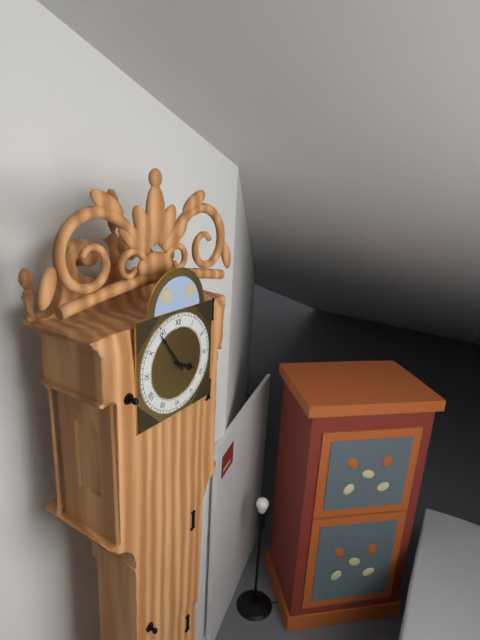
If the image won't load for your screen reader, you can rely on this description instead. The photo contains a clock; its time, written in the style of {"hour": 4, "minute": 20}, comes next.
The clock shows {"hour": 3, "minute": 54}
